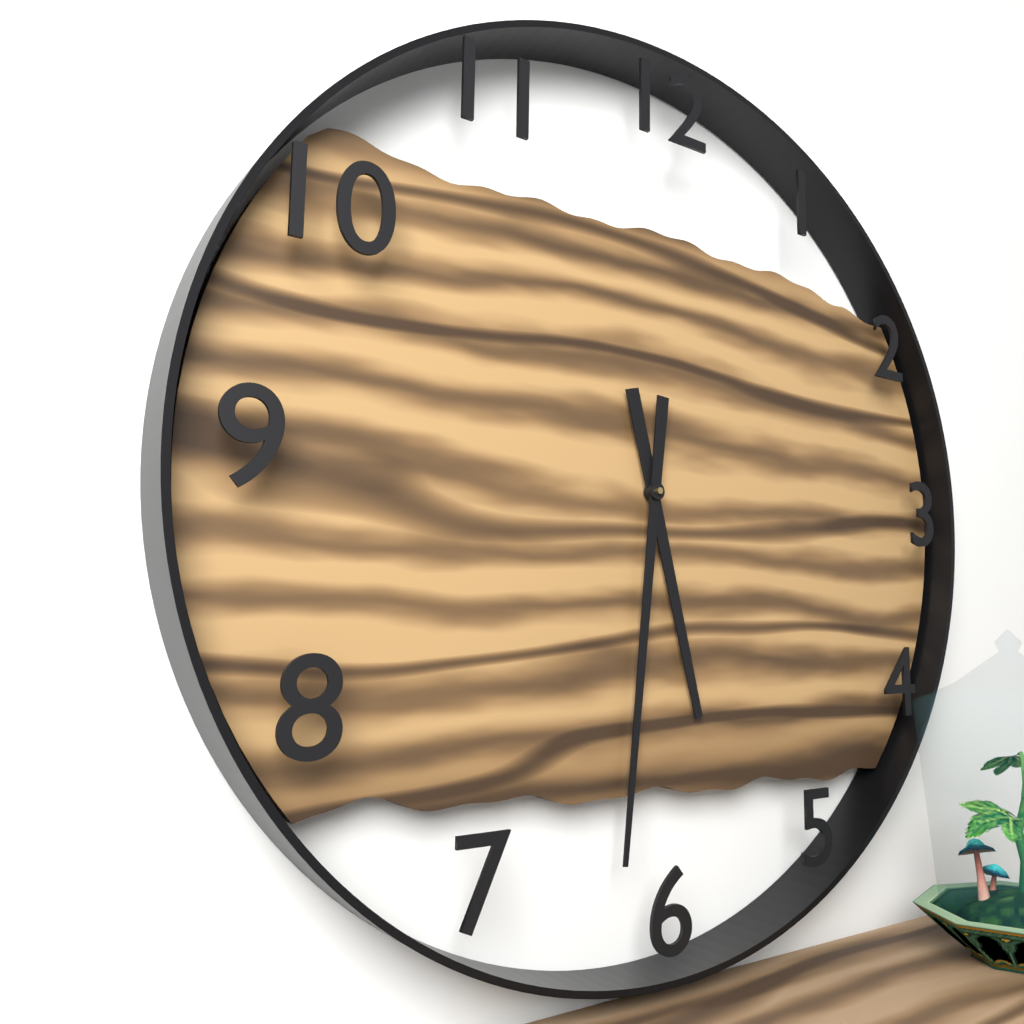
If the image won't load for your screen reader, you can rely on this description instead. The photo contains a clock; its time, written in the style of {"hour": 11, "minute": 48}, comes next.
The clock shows {"hour": 5, "minute": 31}
